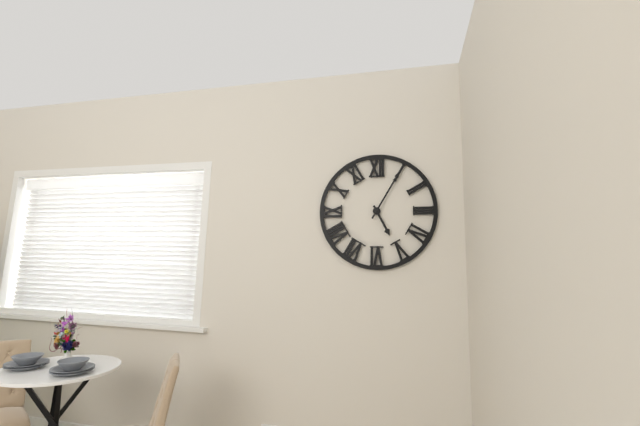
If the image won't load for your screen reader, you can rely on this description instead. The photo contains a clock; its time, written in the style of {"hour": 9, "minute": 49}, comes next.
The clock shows {"hour": 5, "minute": 5}
